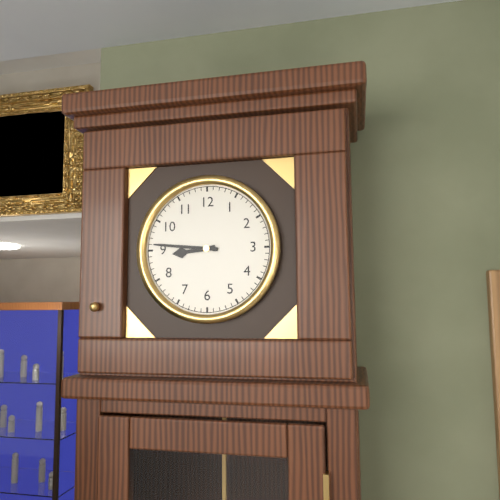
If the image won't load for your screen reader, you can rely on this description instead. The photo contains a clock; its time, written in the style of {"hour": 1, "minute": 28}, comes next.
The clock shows {"hour": 8, "minute": 46}
